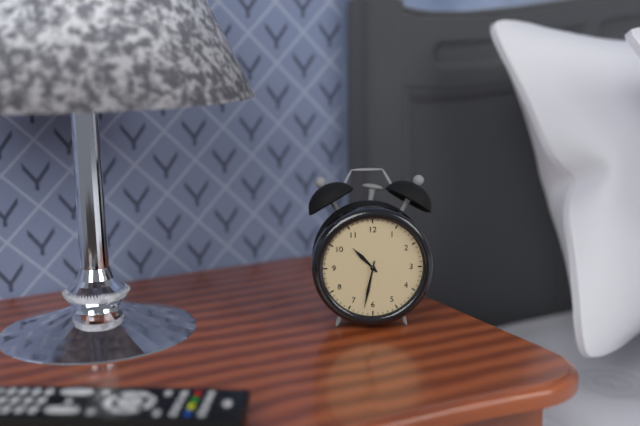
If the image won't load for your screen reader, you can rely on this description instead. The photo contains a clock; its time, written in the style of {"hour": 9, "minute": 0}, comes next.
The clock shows {"hour": 10, "minute": 32}
